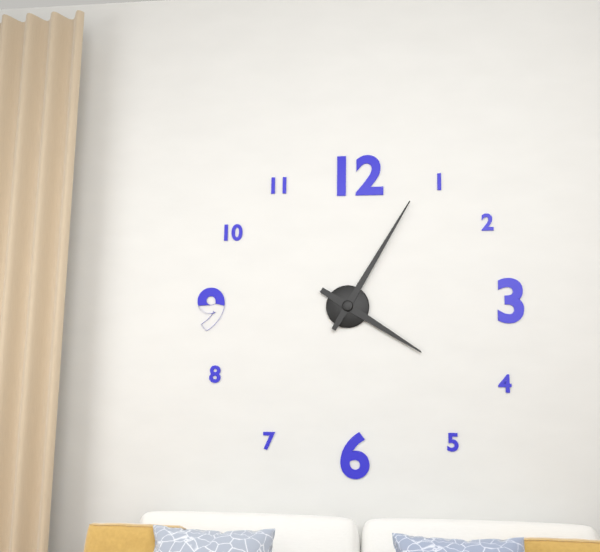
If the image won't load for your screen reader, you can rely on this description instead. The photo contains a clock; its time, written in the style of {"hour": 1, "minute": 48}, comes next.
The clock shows {"hour": 4, "minute": 5}
